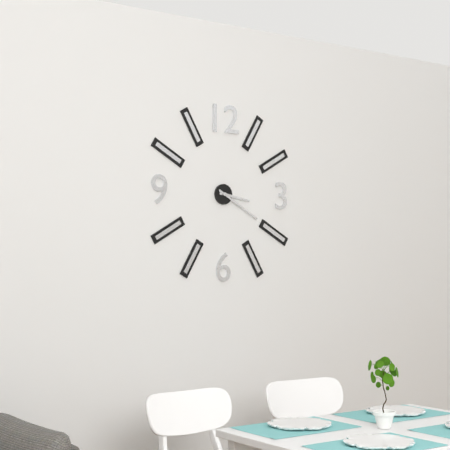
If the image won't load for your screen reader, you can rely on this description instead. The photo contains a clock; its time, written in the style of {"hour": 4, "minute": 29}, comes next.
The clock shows {"hour": 3, "minute": 20}
